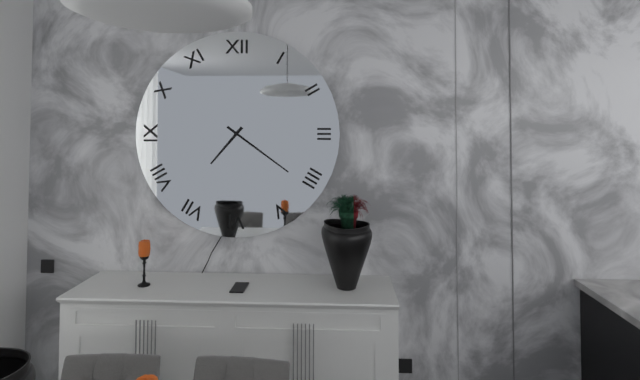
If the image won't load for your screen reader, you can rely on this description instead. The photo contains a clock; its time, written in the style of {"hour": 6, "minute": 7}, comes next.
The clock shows {"hour": 7, "minute": 21}
